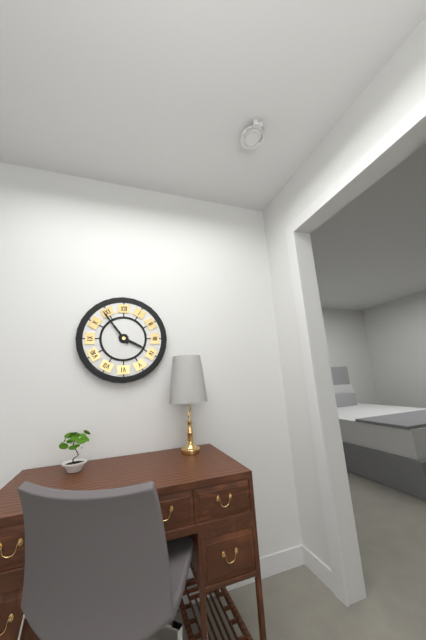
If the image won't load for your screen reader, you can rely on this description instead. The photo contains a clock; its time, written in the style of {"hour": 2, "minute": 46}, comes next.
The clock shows {"hour": 3, "minute": 54}
